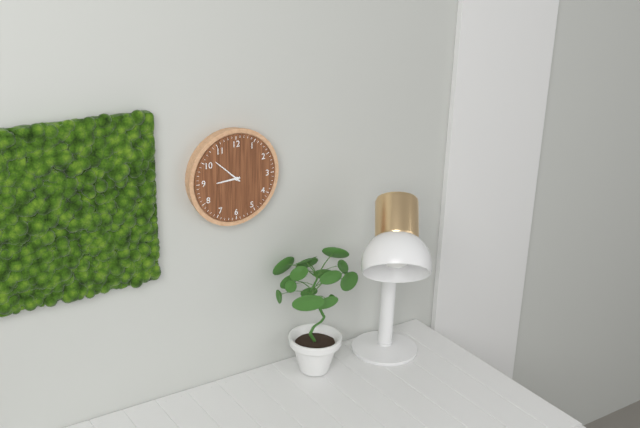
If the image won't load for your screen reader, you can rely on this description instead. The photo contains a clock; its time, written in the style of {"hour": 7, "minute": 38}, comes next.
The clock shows {"hour": 8, "minute": 52}
